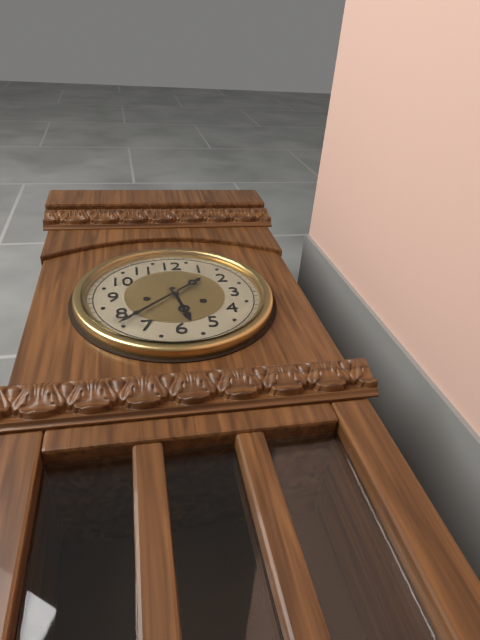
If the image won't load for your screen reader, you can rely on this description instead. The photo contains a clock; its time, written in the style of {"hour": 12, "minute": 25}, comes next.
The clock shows {"hour": 5, "minute": 38}
